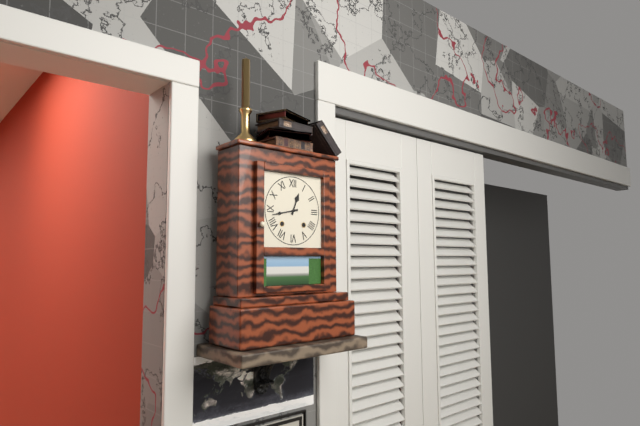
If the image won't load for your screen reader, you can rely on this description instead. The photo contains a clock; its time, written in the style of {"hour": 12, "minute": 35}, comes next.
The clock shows {"hour": 12, "minute": 43}
